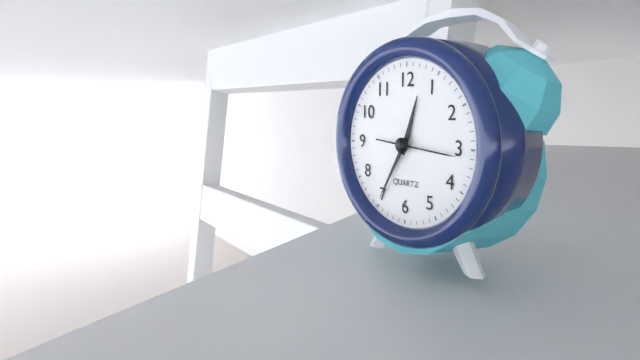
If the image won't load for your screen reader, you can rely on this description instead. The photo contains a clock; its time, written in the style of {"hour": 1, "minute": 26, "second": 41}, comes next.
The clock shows {"hour": 12, "minute": 35, "second": 16}
